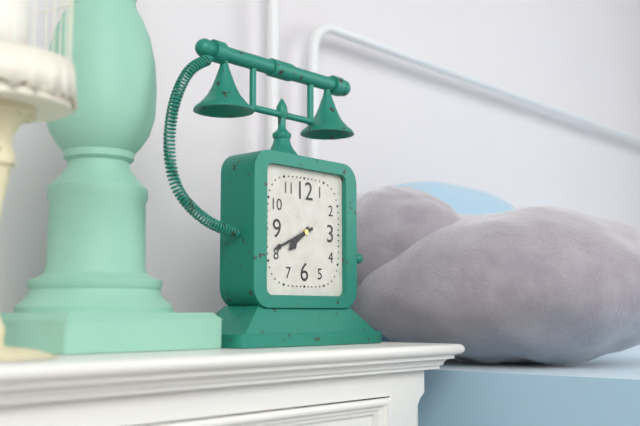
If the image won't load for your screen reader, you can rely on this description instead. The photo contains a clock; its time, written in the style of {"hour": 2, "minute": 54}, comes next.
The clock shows {"hour": 7, "minute": 41}
